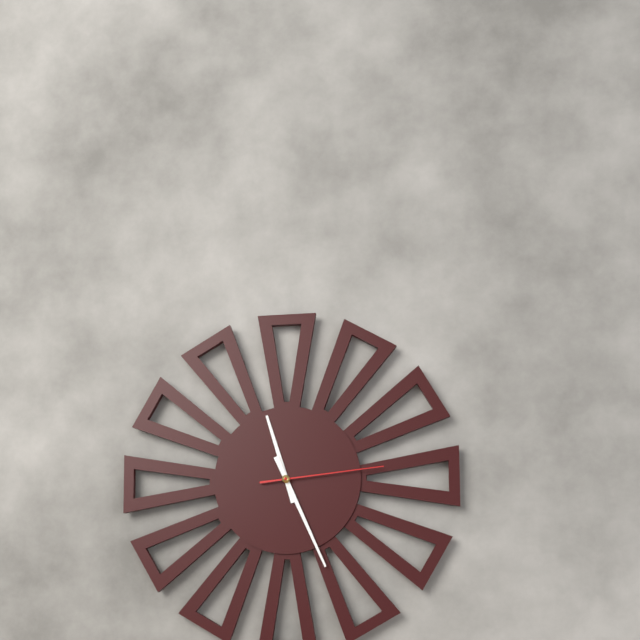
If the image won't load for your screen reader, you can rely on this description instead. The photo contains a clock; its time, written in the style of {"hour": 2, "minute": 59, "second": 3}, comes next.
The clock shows {"hour": 11, "minute": 26, "second": 14}
